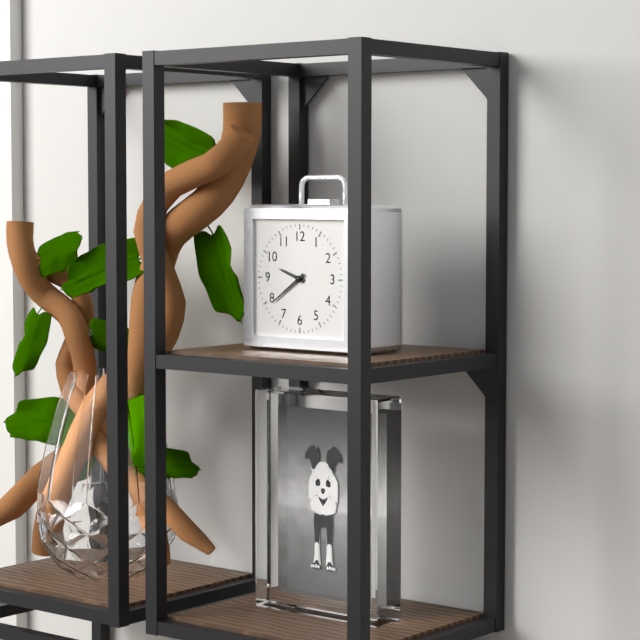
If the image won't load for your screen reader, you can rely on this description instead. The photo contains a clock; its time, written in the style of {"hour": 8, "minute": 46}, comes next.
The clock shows {"hour": 9, "minute": 39}
